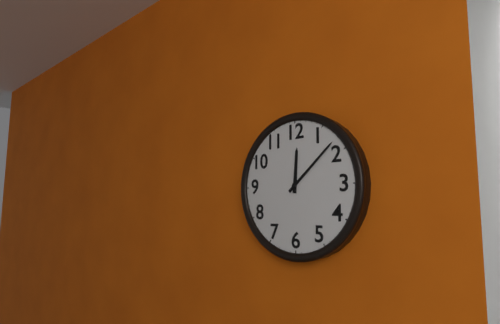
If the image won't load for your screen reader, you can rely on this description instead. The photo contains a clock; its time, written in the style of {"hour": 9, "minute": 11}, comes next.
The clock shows {"hour": 12, "minute": 8}
